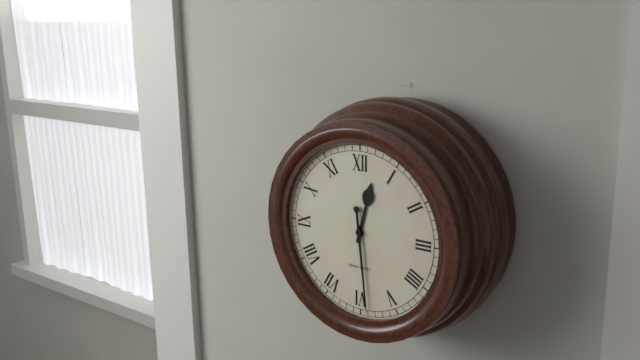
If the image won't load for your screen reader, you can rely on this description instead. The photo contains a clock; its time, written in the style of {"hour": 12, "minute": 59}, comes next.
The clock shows {"hour": 12, "minute": 29}
